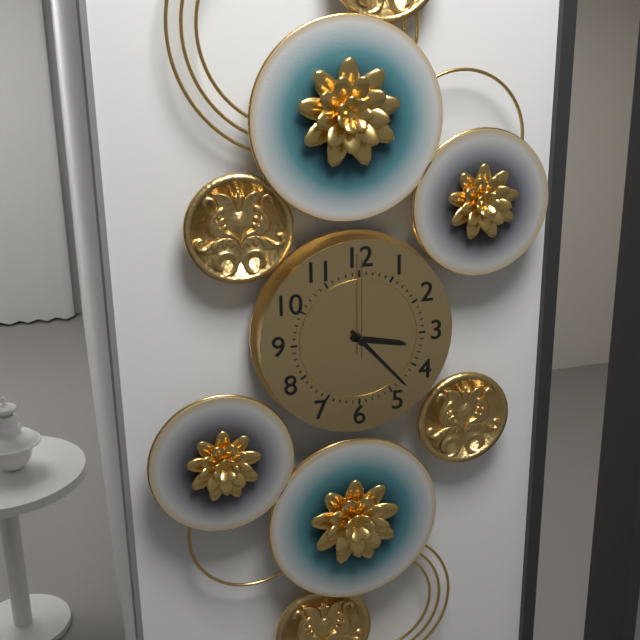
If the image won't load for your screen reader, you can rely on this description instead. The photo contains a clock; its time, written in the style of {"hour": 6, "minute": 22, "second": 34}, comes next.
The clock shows {"hour": 3, "minute": 23, "second": 0}
